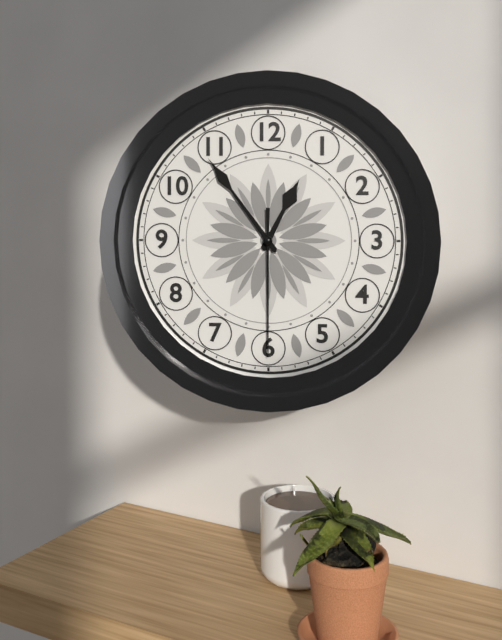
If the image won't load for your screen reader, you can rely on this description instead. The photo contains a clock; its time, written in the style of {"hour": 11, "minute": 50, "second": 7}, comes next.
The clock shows {"hour": 12, "minute": 54, "second": 30}
